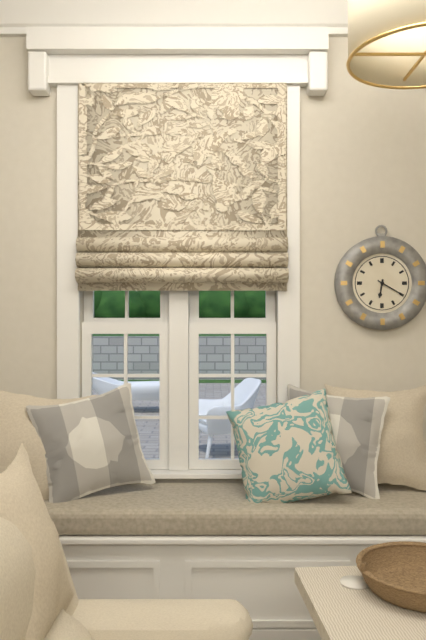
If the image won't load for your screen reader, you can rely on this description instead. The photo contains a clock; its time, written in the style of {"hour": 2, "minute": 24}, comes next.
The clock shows {"hour": 6, "minute": 20}
